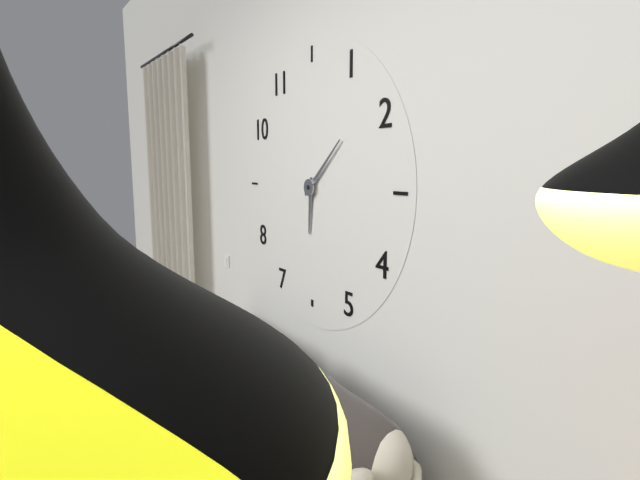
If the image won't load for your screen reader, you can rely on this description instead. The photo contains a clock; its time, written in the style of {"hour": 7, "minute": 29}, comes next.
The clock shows {"hour": 6, "minute": 8}
